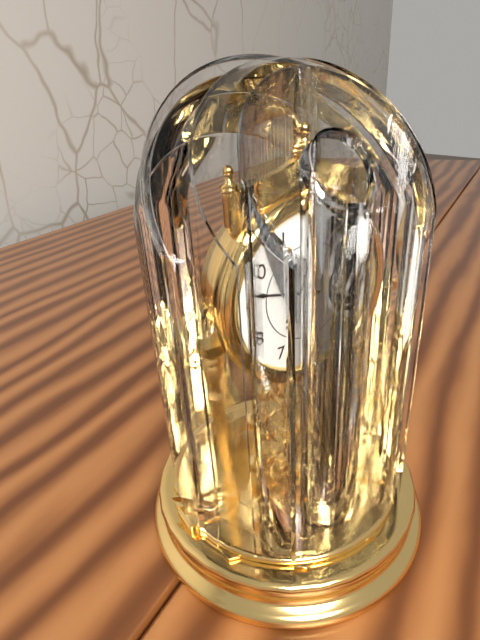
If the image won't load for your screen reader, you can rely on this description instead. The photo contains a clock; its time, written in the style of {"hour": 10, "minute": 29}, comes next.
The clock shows {"hour": 11, "minute": 47}
